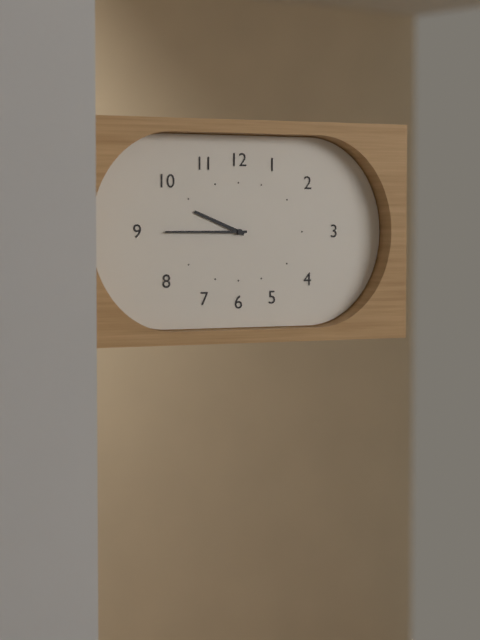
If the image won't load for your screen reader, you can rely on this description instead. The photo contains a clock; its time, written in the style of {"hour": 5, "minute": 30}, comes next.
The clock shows {"hour": 9, "minute": 45}
